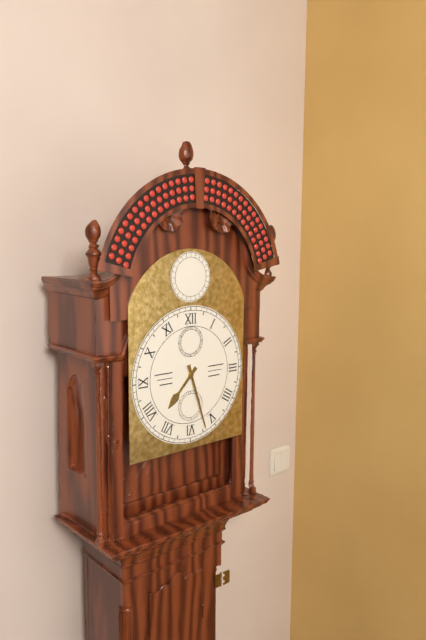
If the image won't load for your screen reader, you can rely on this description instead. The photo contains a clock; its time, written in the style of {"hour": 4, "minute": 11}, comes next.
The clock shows {"hour": 7, "minute": 27}
